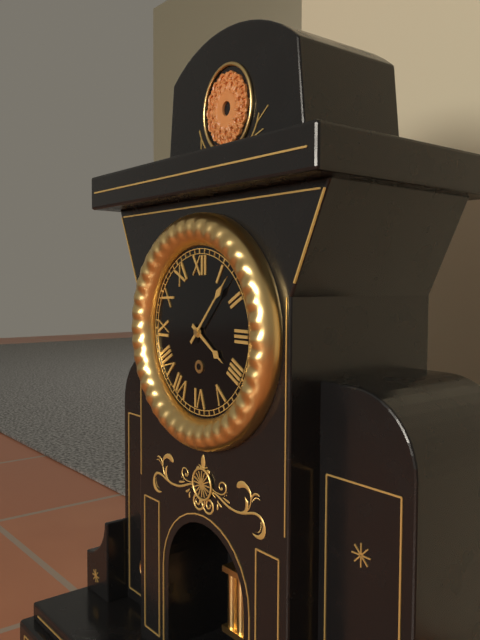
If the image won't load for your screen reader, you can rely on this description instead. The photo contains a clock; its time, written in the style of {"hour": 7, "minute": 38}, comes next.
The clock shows {"hour": 4, "minute": 7}
